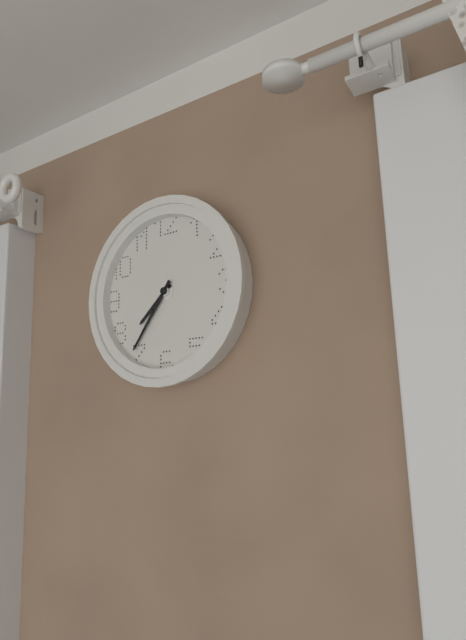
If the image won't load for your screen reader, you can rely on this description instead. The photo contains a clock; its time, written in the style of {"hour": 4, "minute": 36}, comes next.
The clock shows {"hour": 7, "minute": 36}
